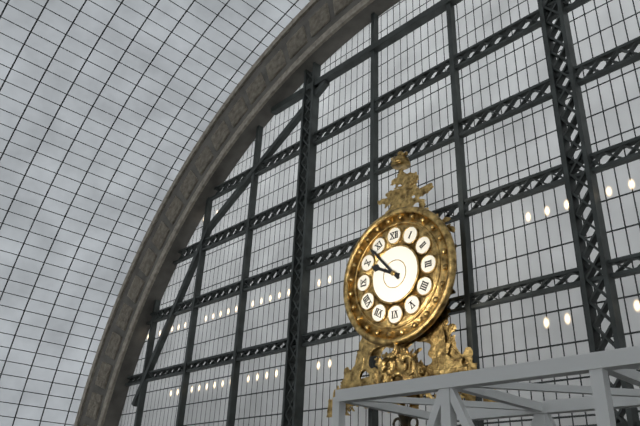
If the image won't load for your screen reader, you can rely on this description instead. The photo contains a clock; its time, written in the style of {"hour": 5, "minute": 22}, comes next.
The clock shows {"hour": 9, "minute": 53}
